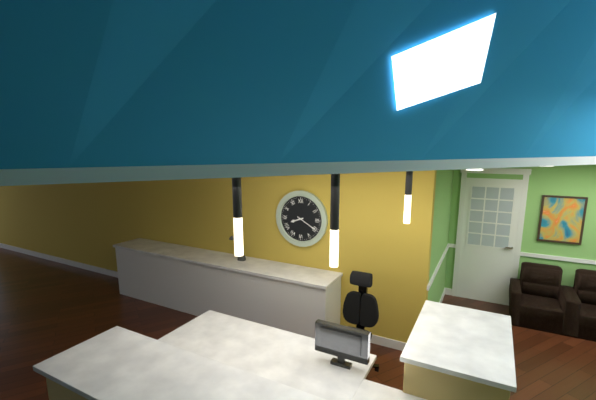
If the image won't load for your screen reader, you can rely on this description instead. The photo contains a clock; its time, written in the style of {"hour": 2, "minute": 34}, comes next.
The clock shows {"hour": 8, "minute": 20}
